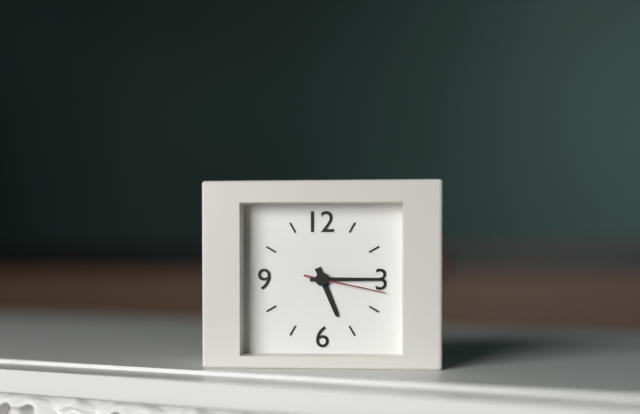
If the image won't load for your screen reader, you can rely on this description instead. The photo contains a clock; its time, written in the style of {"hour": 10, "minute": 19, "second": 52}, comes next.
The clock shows {"hour": 5, "minute": 15, "second": 17}
